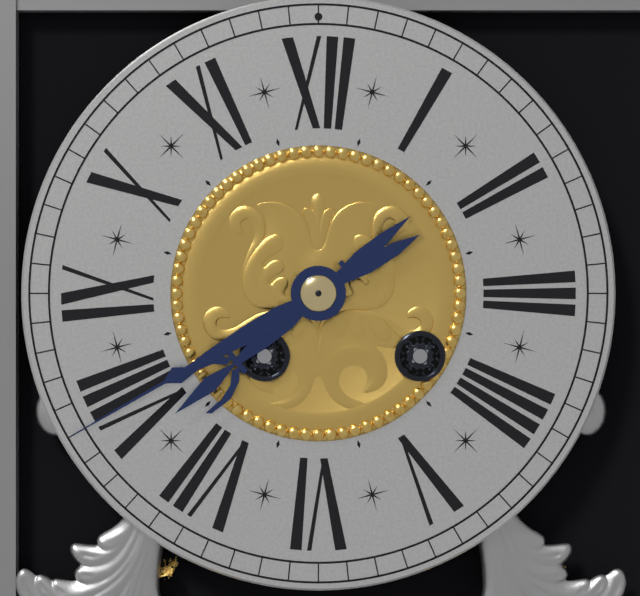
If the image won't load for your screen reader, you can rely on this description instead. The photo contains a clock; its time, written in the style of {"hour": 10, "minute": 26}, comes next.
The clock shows {"hour": 7, "minute": 40}
